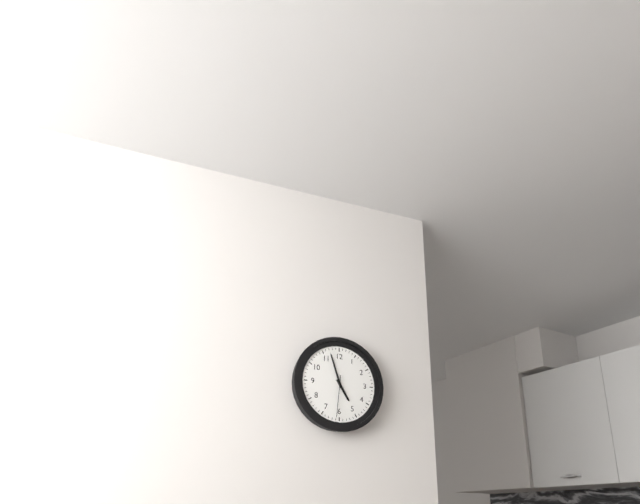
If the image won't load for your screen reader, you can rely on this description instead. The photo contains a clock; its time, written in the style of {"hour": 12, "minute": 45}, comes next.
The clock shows {"hour": 4, "minute": 57}
